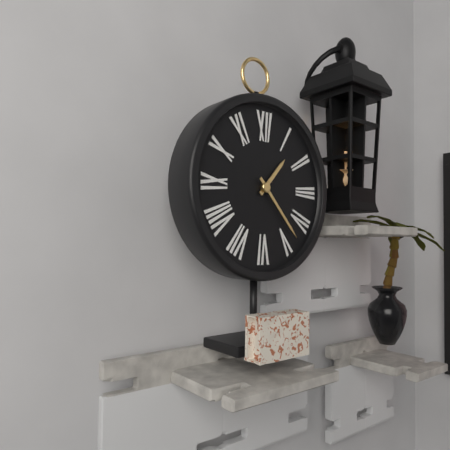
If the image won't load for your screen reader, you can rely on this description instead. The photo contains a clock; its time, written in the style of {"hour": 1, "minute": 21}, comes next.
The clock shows {"hour": 1, "minute": 23}
